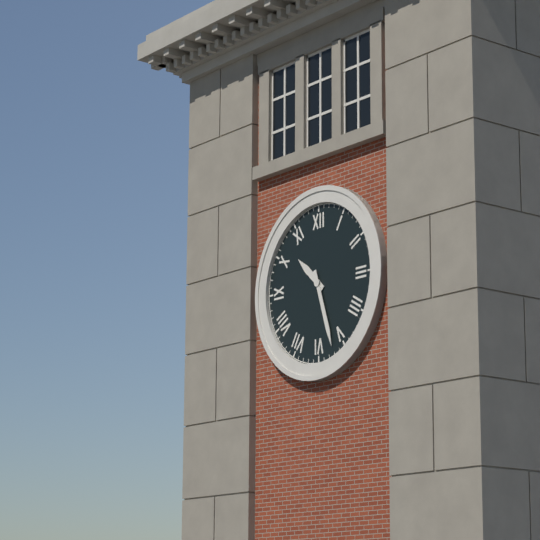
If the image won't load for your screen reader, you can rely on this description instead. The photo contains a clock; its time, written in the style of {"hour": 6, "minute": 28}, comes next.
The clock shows {"hour": 10, "minute": 27}
